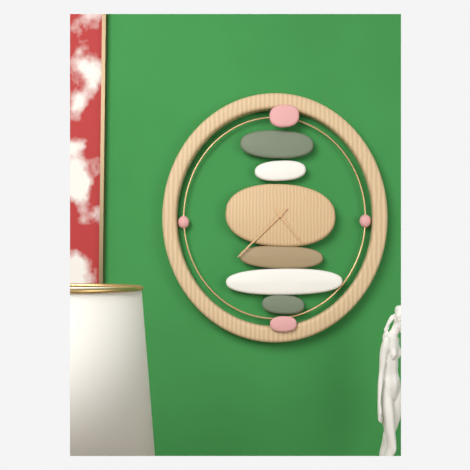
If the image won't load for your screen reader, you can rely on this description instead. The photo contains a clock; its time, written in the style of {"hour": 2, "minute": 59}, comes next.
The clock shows {"hour": 4, "minute": 38}
